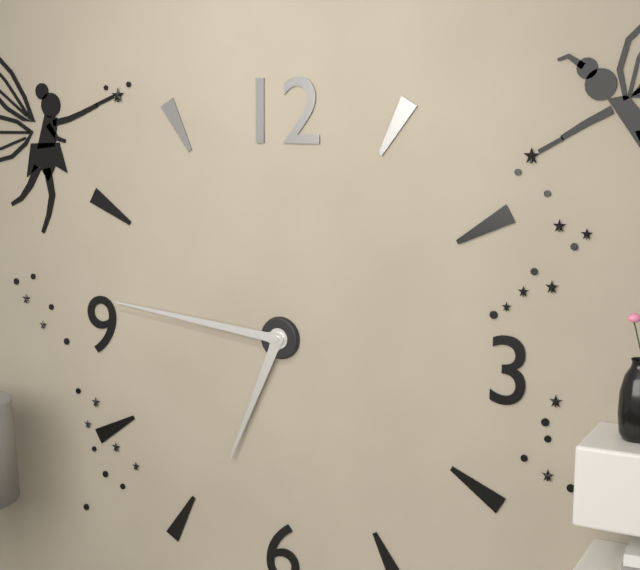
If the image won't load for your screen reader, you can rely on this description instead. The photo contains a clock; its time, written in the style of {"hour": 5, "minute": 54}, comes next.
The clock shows {"hour": 6, "minute": 46}
